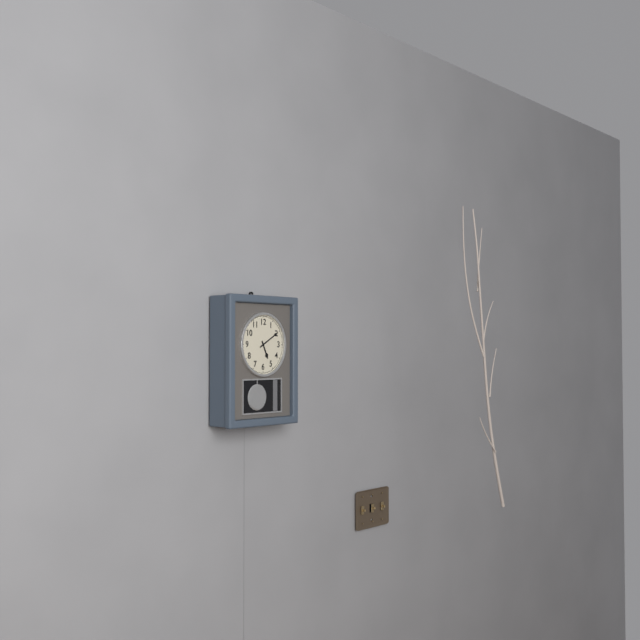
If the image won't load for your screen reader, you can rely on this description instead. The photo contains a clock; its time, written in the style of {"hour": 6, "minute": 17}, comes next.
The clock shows {"hour": 5, "minute": 10}
